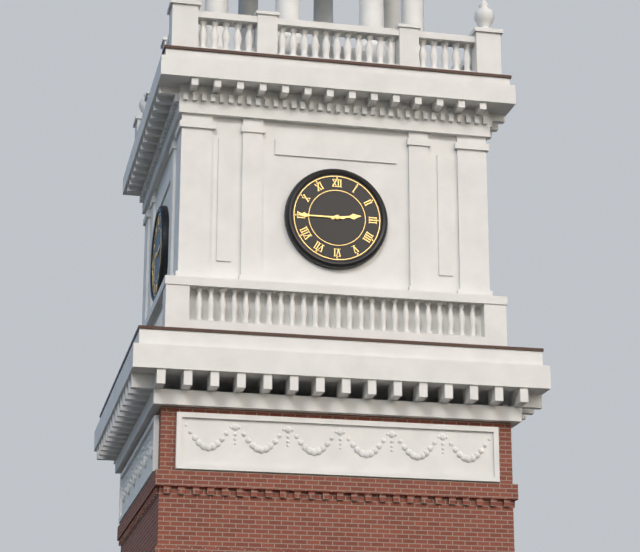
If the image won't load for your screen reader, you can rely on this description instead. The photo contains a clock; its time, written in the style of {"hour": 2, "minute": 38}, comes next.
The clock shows {"hour": 2, "minute": 45}
